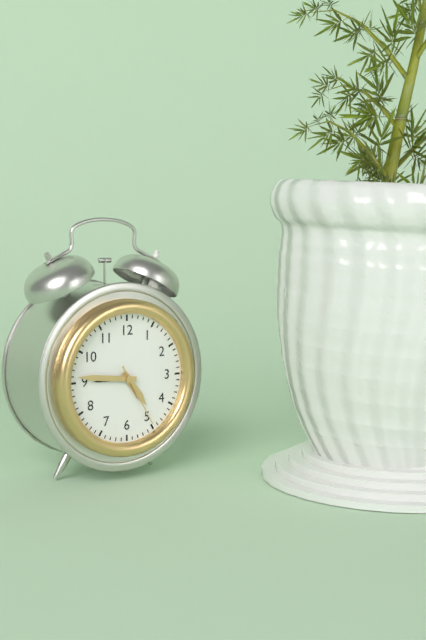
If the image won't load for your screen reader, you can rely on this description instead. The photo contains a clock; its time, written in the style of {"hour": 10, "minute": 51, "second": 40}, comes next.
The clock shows {"hour": 4, "minute": 46, "second": 25}
